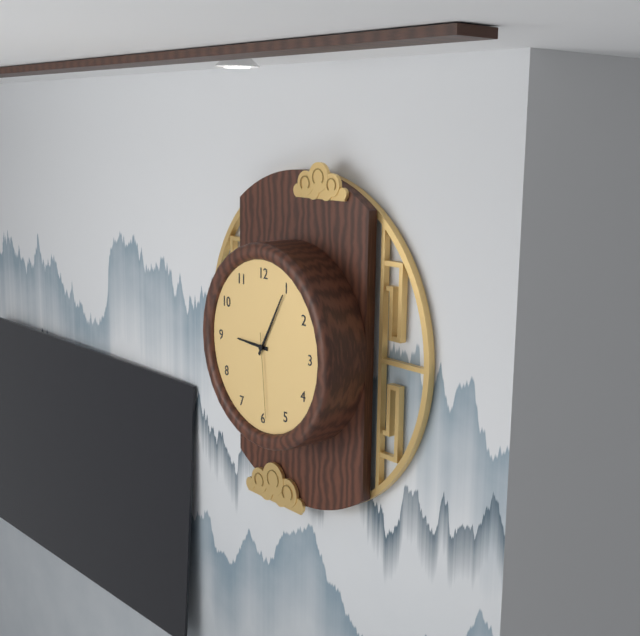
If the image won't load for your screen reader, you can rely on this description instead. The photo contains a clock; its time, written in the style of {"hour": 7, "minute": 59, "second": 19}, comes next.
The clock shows {"hour": 9, "minute": 5, "second": 29}
